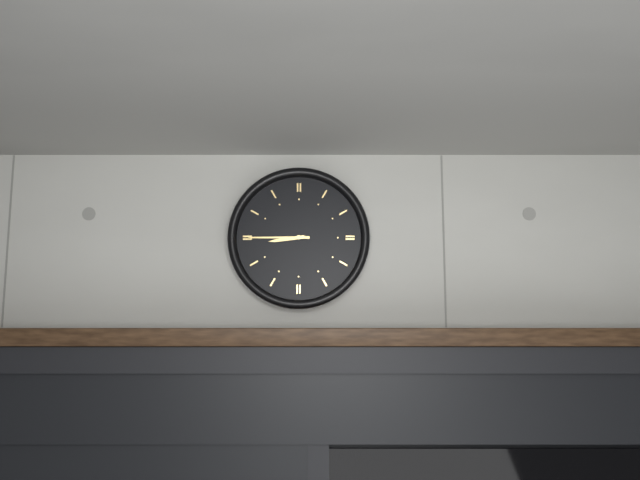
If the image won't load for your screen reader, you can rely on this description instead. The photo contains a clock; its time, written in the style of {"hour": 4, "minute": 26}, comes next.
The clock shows {"hour": 8, "minute": 45}
